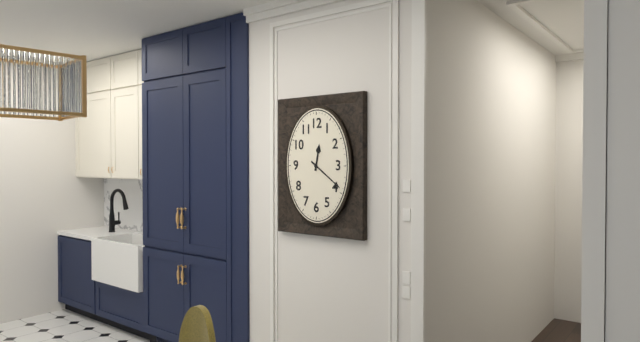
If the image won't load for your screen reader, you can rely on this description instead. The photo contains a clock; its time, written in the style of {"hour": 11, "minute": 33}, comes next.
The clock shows {"hour": 12, "minute": 21}
